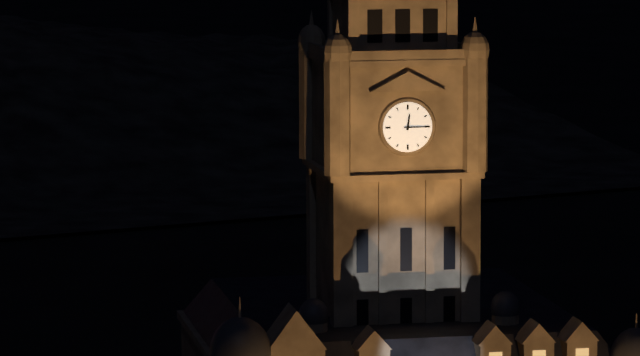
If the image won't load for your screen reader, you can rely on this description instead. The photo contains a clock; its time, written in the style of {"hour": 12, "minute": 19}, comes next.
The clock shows {"hour": 12, "minute": 15}
